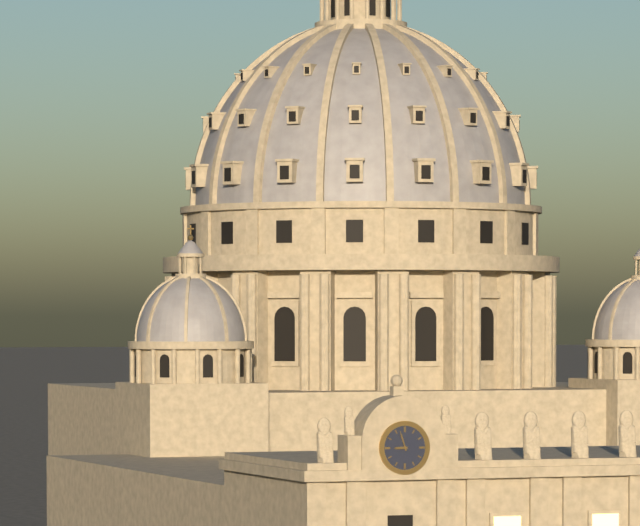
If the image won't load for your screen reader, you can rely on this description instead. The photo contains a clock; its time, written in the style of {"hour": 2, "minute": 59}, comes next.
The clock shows {"hour": 8, "minute": 57}
